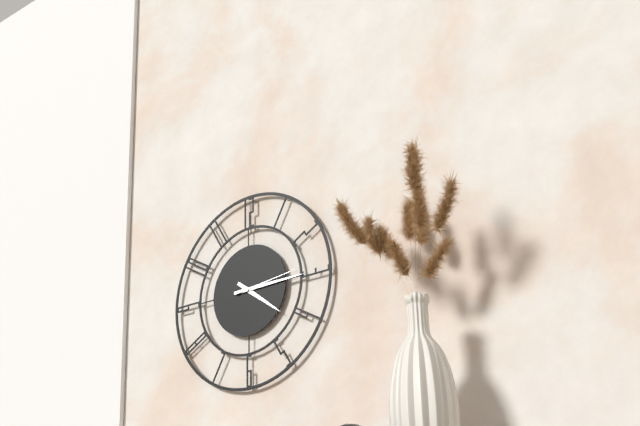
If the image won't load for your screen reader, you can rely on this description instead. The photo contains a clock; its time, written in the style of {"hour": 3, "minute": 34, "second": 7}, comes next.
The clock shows {"hour": 4, "minute": 15, "second": 14}
